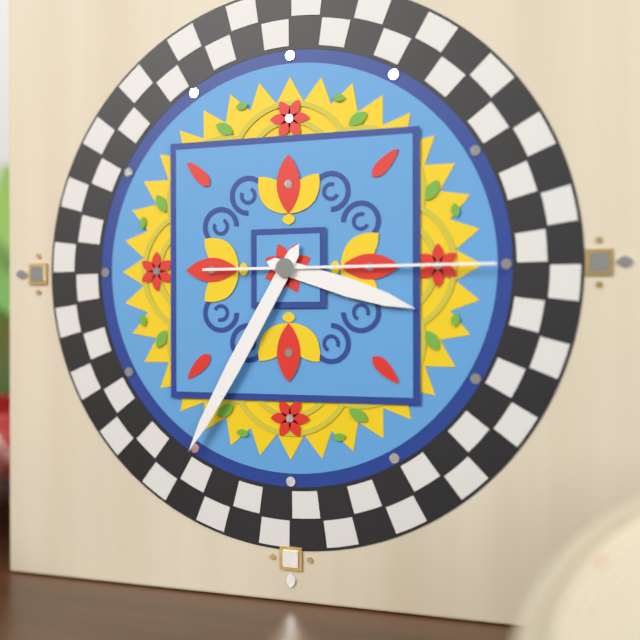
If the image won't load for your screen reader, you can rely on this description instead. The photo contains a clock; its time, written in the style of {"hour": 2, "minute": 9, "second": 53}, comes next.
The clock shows {"hour": 3, "minute": 35, "second": 15}
